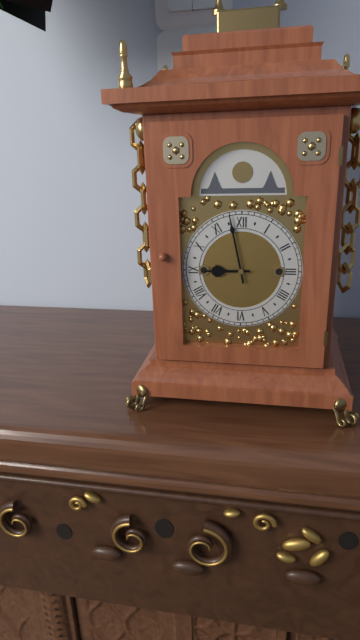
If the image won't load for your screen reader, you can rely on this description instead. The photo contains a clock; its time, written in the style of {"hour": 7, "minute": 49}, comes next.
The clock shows {"hour": 8, "minute": 58}
